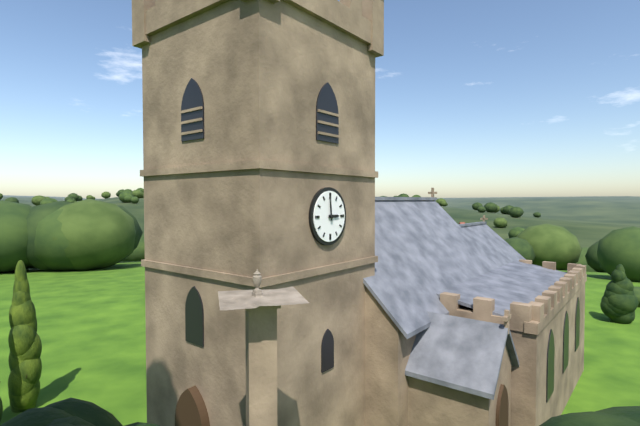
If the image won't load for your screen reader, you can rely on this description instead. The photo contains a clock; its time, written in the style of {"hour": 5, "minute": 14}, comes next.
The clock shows {"hour": 2, "minute": 59}
